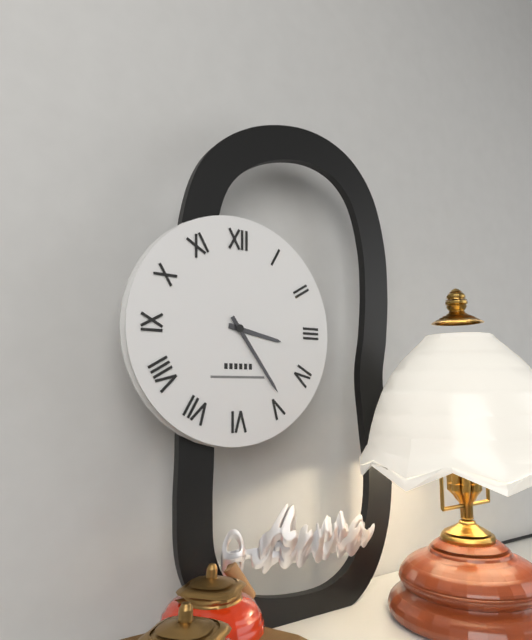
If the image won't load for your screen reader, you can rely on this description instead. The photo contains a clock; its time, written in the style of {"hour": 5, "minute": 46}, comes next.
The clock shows {"hour": 3, "minute": 24}
